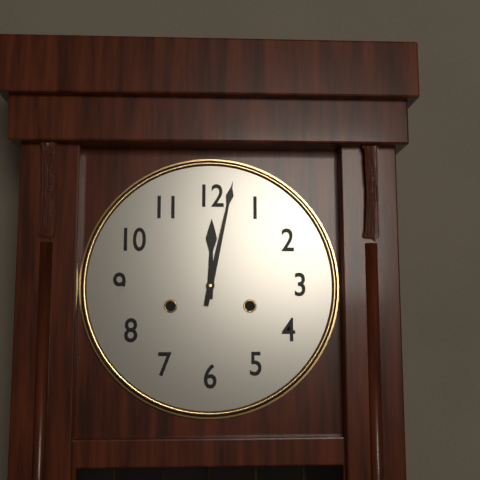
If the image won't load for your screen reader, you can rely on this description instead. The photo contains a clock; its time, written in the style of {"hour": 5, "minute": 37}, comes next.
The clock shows {"hour": 12, "minute": 2}
